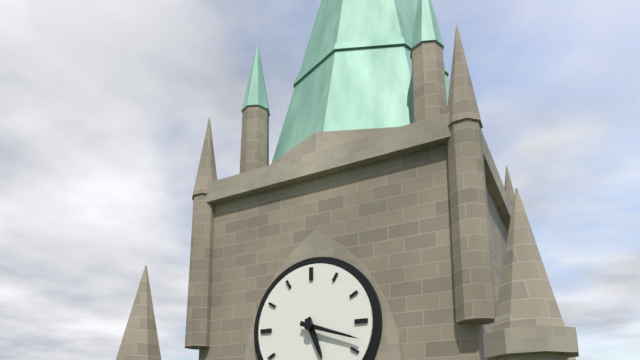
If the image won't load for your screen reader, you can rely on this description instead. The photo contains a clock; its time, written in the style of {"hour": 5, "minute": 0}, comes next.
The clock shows {"hour": 5, "minute": 18}
